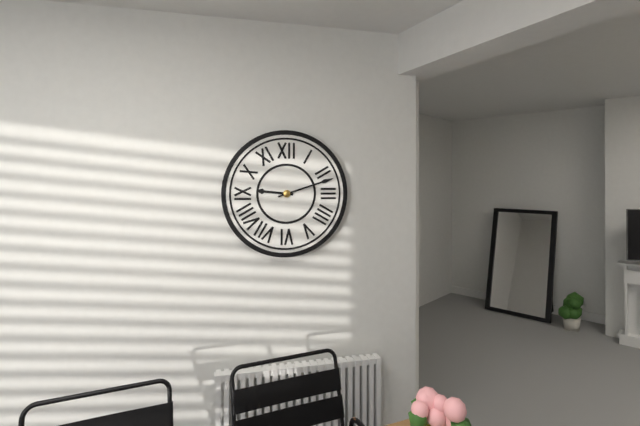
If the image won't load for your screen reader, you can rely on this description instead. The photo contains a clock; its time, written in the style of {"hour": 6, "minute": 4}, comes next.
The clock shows {"hour": 9, "minute": 12}
